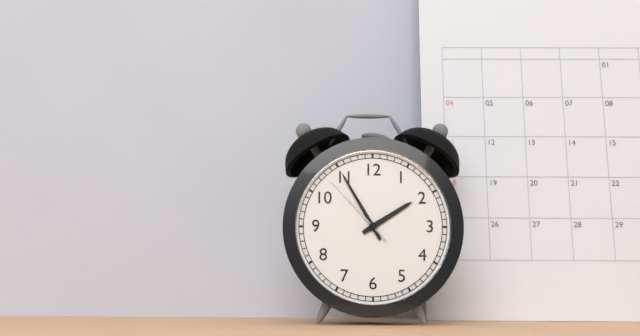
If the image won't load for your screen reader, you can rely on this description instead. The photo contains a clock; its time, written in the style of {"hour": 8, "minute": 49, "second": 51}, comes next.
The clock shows {"hour": 1, "minute": 55, "second": 53}
